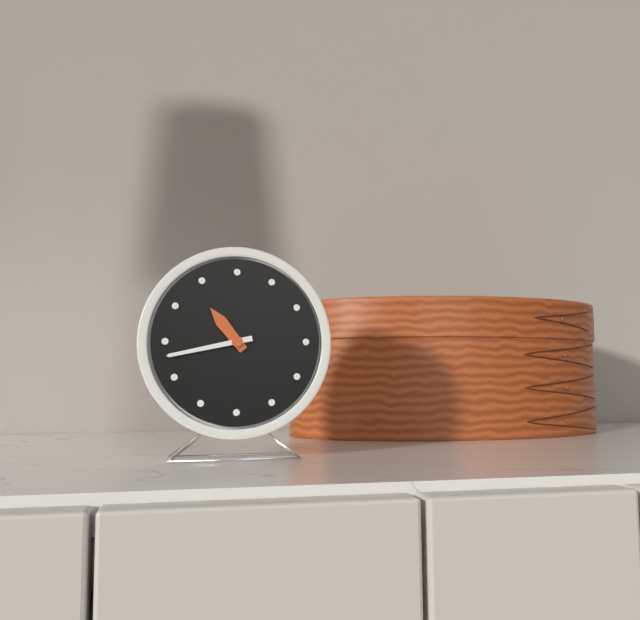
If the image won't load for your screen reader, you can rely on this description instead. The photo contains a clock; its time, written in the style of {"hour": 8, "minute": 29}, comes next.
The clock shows {"hour": 10, "minute": 43}
